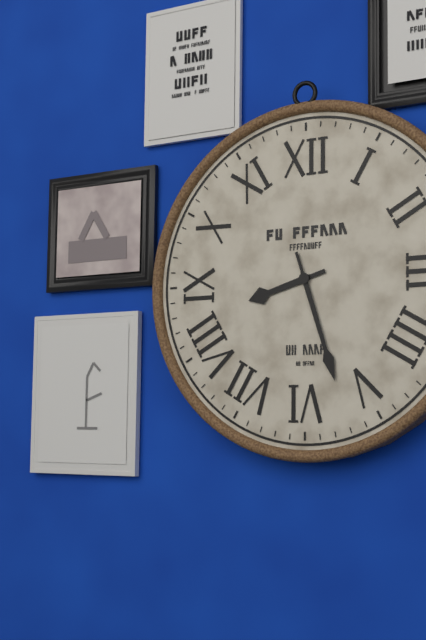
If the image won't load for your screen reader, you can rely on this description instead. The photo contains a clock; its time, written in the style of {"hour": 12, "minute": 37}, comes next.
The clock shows {"hour": 8, "minute": 27}
